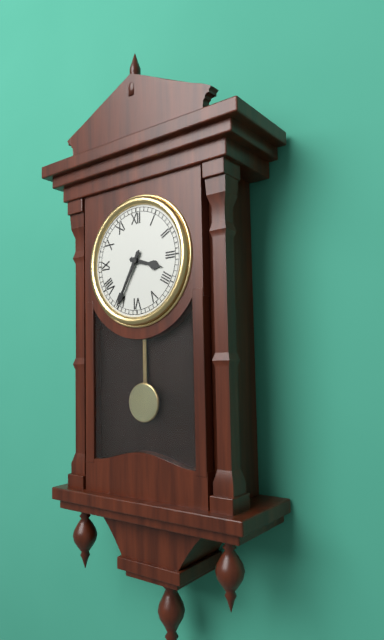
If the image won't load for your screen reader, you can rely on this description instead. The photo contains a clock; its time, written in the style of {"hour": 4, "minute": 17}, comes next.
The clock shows {"hour": 3, "minute": 35}
